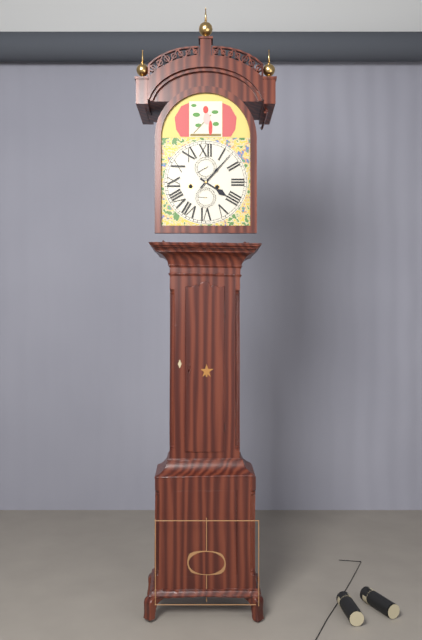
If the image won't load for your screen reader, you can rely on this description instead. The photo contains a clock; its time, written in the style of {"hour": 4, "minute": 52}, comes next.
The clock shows {"hour": 4, "minute": 7}
